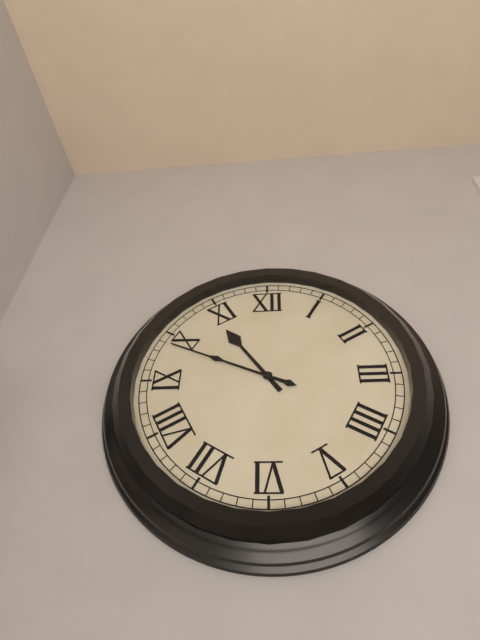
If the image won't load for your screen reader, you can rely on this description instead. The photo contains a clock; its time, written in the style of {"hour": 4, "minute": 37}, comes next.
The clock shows {"hour": 10, "minute": 49}
